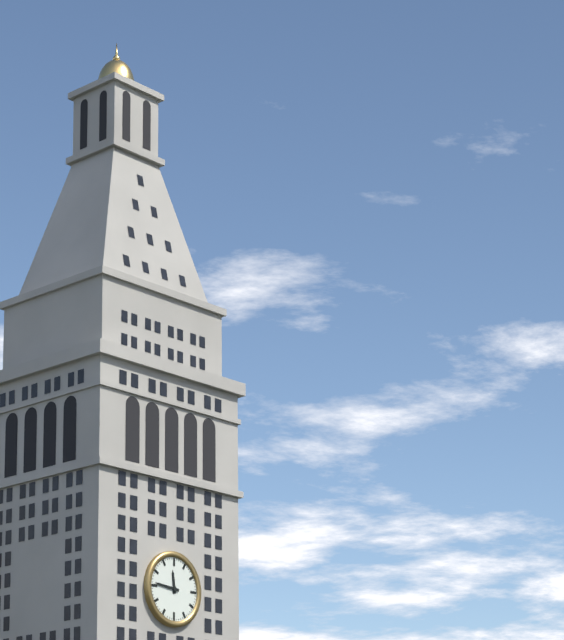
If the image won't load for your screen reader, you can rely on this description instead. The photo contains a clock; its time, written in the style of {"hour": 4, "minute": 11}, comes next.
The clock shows {"hour": 11, "minute": 46}
